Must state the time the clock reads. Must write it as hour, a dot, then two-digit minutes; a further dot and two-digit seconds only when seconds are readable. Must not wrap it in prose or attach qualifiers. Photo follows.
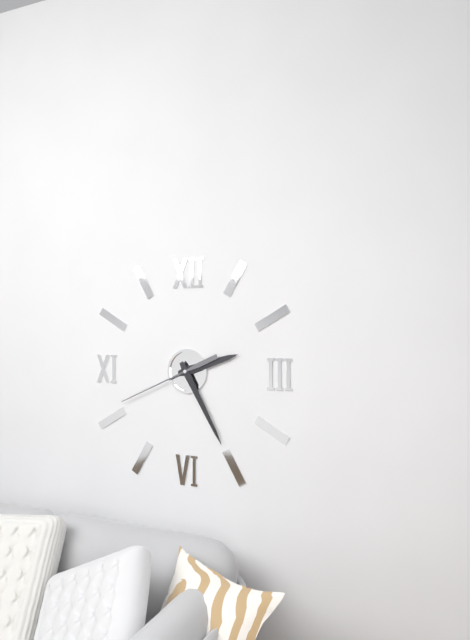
2.25.41
